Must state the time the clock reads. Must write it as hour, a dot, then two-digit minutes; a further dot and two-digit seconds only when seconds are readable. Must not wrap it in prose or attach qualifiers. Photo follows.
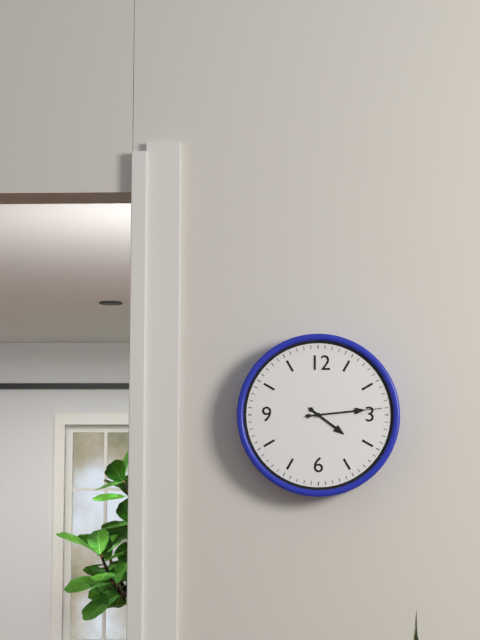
4.14.14
